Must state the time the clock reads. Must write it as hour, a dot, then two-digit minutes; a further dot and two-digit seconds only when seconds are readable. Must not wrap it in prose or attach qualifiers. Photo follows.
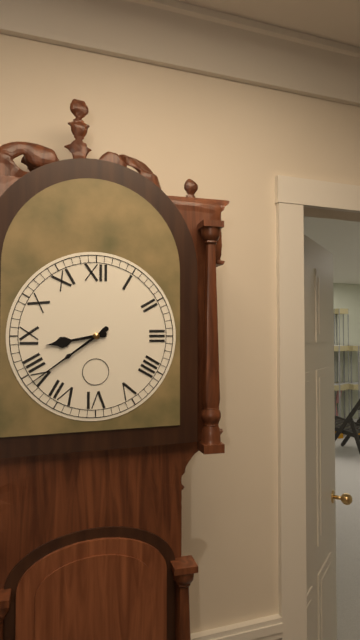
8.39
